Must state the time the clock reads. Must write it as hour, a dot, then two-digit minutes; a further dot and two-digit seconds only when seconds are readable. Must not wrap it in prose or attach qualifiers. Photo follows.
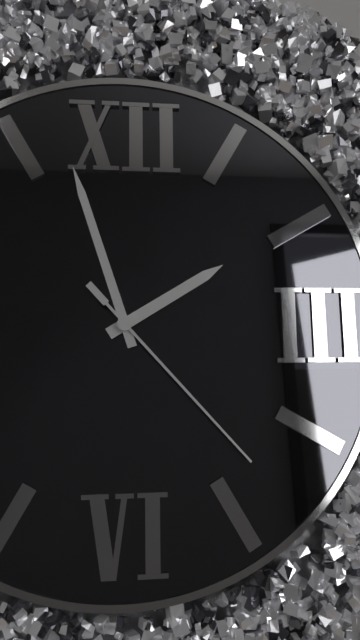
1.57.23
